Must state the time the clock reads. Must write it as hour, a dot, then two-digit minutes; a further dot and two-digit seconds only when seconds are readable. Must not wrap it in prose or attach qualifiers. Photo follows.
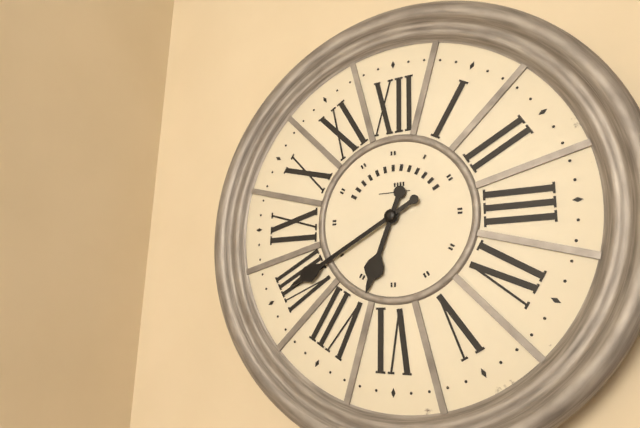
6.40
